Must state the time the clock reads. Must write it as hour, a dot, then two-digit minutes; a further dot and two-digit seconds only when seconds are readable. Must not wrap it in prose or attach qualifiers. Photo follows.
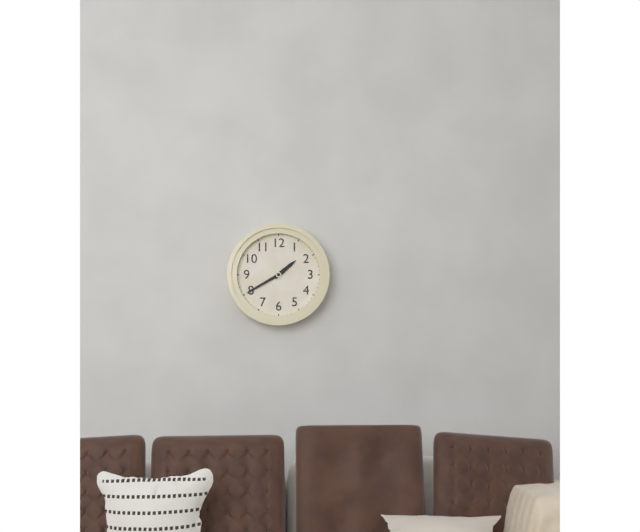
1.40
